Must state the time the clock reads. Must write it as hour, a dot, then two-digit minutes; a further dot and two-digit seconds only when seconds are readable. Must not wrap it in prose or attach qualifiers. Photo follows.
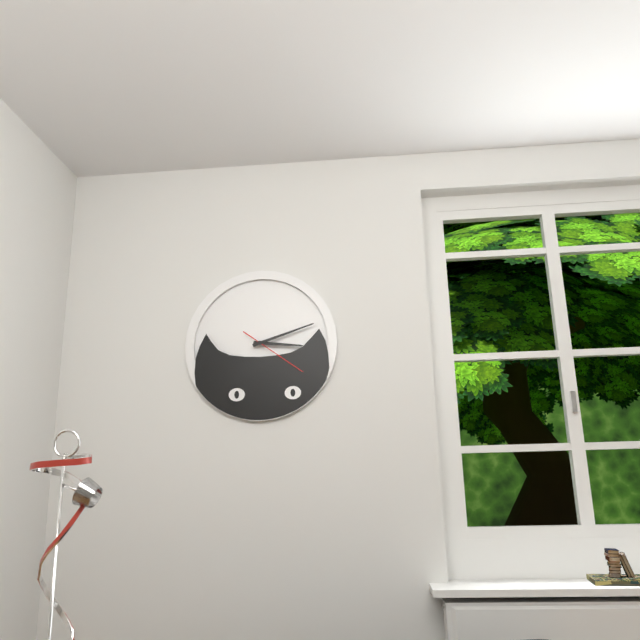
3.12.21
